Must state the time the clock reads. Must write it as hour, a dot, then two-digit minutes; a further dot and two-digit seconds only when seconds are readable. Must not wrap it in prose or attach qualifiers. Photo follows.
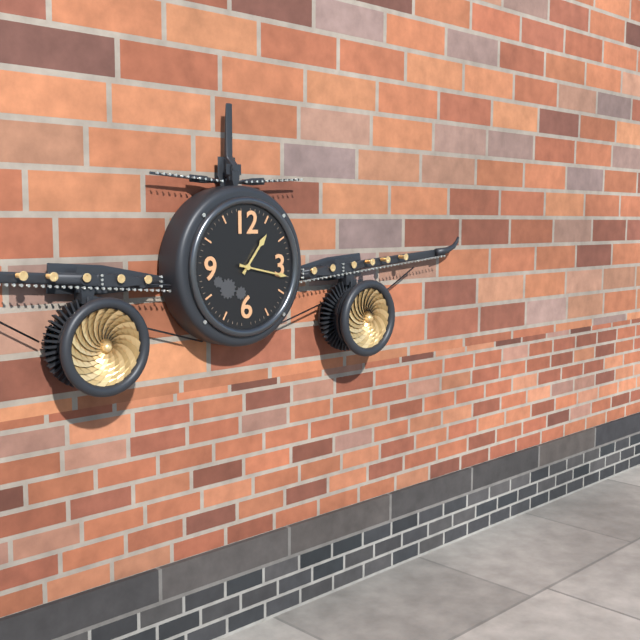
1.17
